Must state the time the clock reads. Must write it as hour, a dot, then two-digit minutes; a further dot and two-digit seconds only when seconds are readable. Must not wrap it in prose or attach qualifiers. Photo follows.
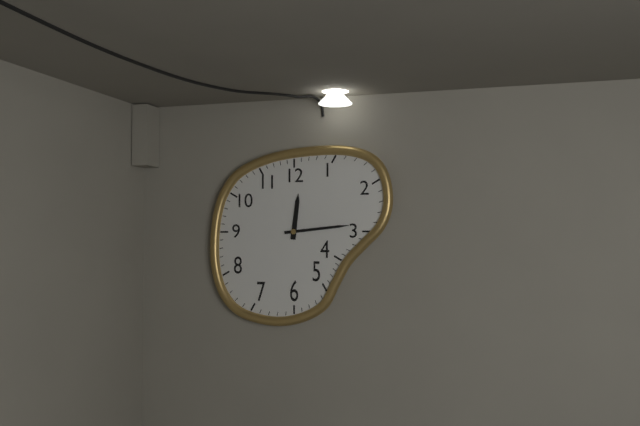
12.14
